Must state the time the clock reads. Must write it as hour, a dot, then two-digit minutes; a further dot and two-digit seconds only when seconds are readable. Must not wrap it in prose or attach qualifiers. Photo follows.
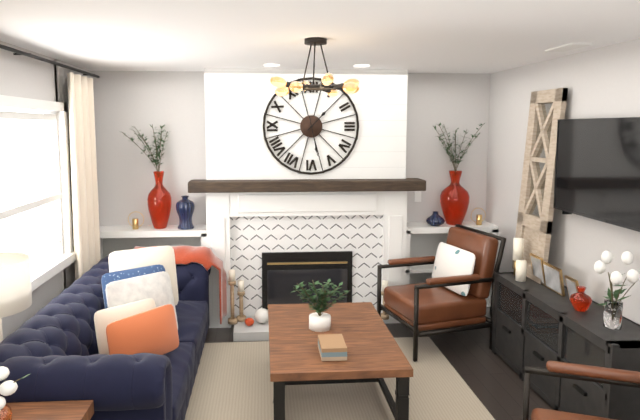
1.28
